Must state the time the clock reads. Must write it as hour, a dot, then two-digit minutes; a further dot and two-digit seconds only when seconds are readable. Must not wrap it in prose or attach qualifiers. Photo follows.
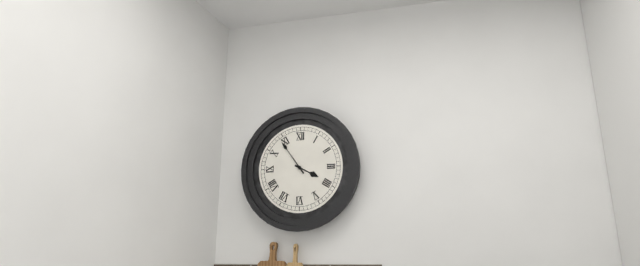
3.54
